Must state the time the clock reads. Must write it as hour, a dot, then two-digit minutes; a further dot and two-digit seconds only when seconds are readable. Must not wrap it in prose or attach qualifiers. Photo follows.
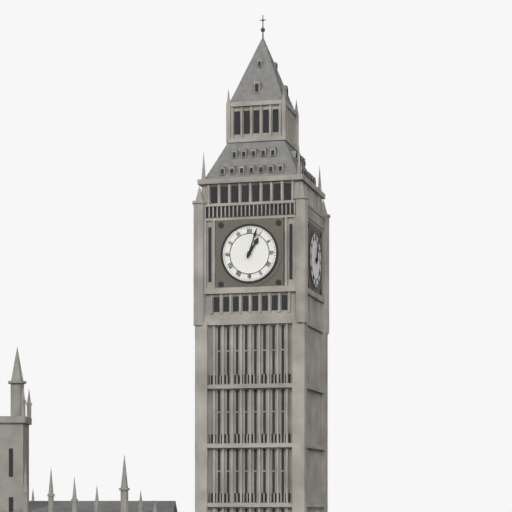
1.03
